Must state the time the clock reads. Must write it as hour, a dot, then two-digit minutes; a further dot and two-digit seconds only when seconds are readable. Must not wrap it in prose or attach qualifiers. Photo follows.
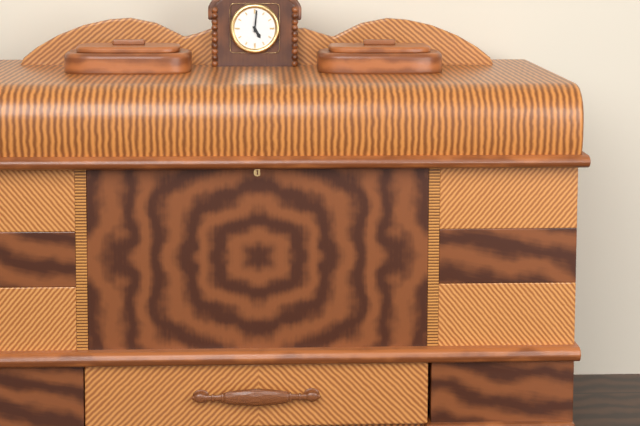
5.01
